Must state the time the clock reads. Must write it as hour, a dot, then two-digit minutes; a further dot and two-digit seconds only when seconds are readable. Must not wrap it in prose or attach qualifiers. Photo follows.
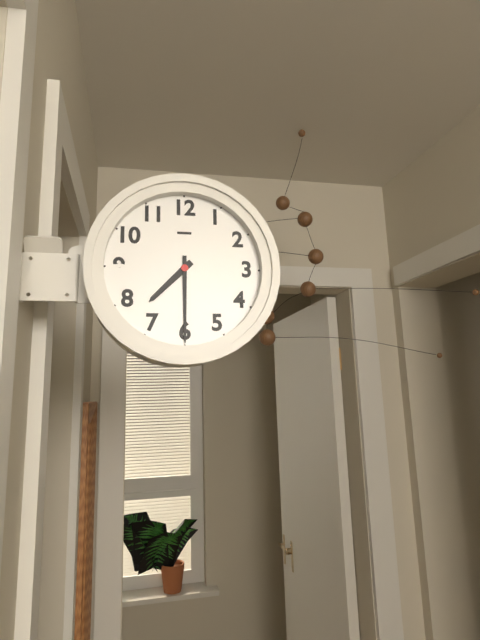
7.30
